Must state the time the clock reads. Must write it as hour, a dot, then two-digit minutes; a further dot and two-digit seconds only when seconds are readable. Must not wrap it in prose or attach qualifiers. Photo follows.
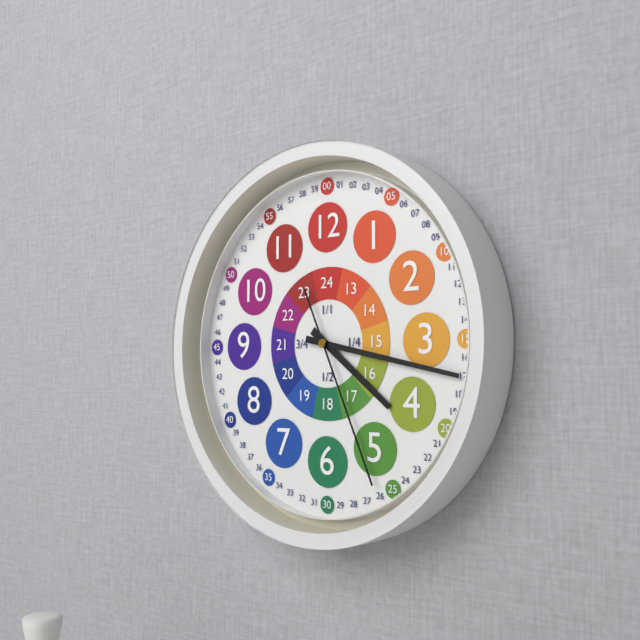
4.17.26
